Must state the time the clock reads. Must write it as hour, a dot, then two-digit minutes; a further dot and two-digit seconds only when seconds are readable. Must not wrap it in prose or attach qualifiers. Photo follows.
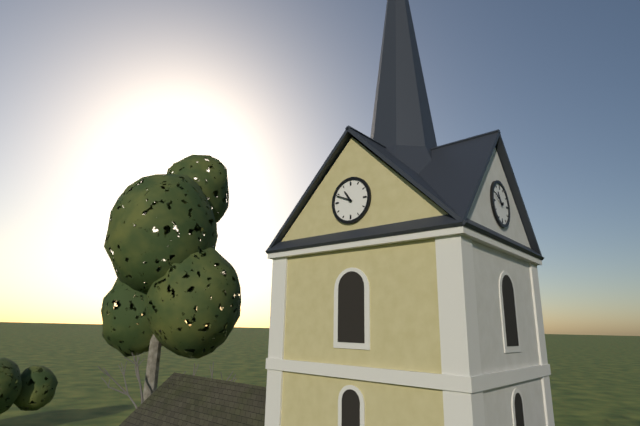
10.49
